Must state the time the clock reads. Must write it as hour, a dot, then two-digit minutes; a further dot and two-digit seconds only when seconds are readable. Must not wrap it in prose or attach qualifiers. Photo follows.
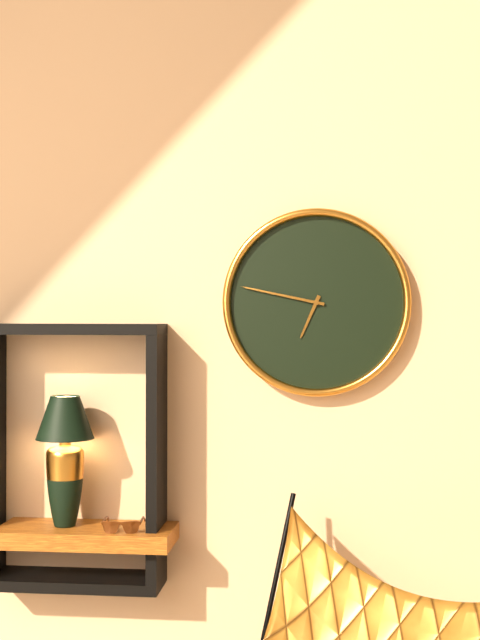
6.47
